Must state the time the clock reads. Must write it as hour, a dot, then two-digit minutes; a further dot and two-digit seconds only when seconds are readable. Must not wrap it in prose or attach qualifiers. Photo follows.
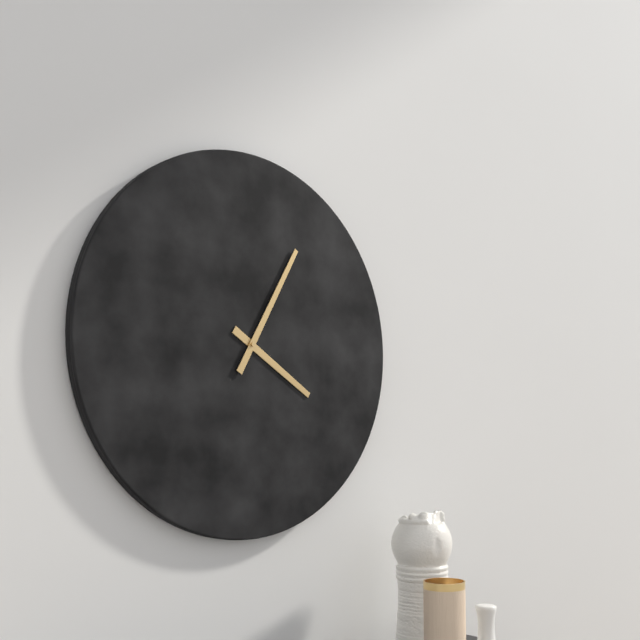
4.05
